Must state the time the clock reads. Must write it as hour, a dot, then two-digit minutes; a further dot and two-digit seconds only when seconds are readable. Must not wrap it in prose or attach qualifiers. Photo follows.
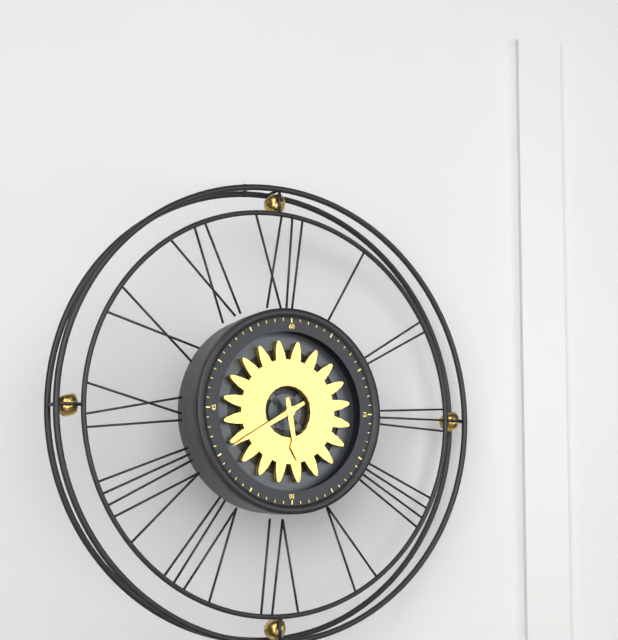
5.40
